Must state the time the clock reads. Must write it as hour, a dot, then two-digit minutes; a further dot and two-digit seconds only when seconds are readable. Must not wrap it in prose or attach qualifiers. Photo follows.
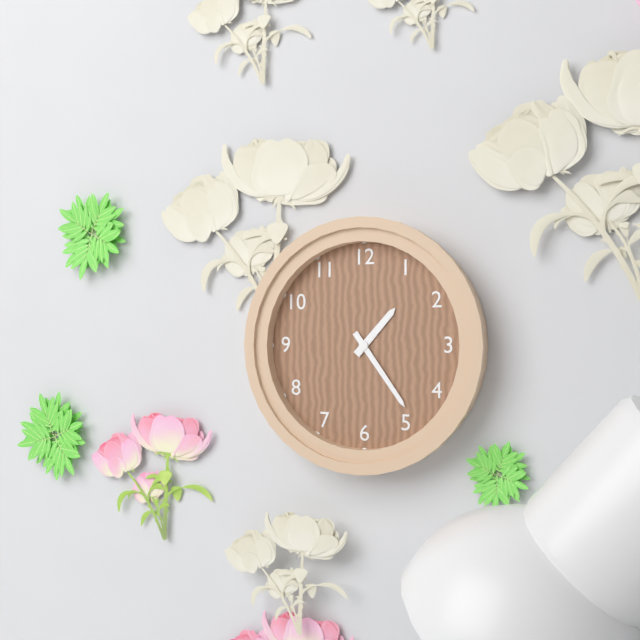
1.24
